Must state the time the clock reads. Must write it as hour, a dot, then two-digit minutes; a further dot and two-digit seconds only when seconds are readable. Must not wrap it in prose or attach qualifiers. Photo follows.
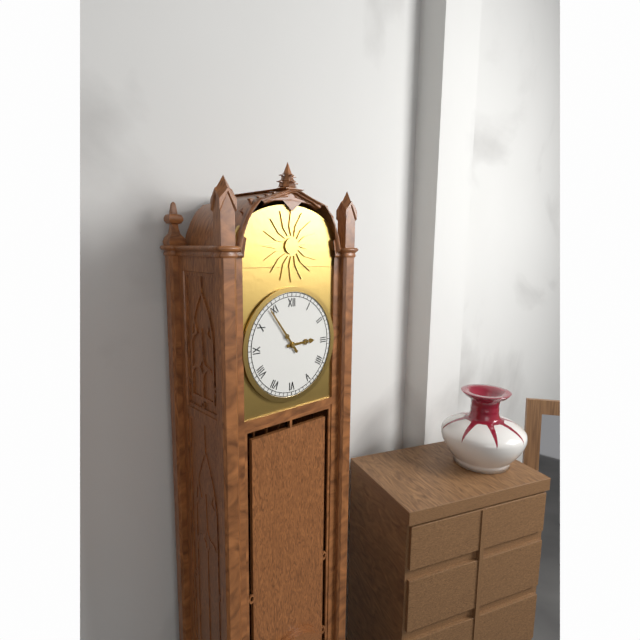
2.54
